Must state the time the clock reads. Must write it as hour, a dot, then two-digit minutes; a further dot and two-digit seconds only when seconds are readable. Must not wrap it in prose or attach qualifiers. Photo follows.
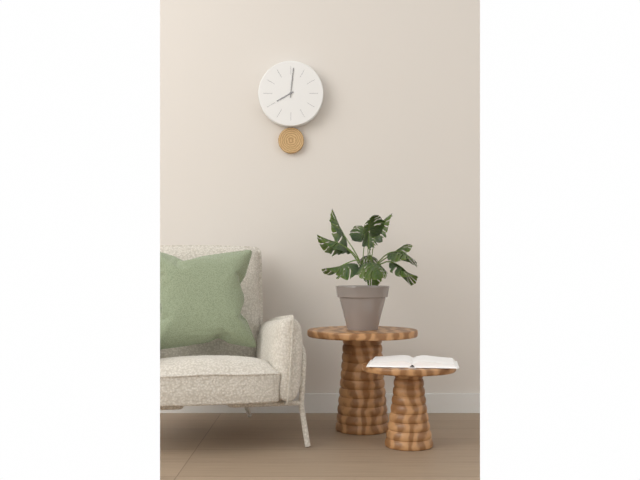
8.01
